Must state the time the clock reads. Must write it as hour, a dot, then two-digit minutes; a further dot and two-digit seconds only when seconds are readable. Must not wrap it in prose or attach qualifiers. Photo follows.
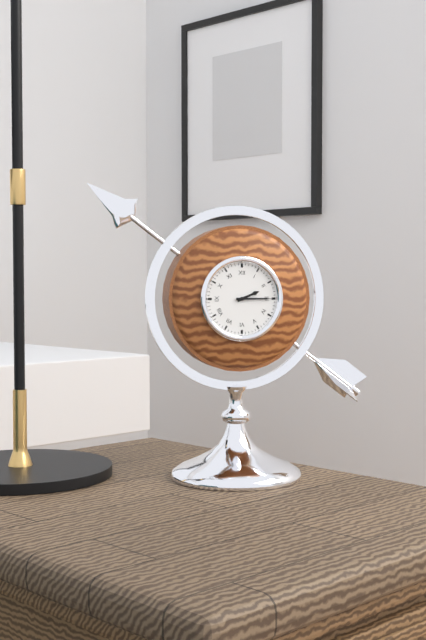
2.15
